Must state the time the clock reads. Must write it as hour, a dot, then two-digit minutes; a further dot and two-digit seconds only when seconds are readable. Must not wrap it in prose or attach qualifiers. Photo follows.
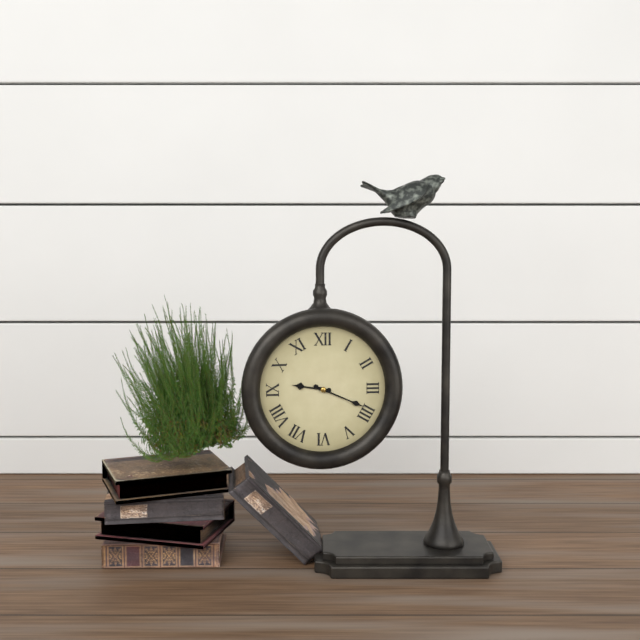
9.19
